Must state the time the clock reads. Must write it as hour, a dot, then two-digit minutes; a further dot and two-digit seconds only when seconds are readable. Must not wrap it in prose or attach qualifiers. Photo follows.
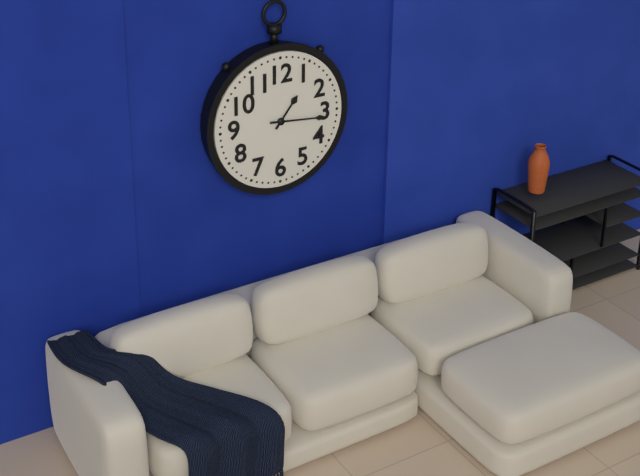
1.16
